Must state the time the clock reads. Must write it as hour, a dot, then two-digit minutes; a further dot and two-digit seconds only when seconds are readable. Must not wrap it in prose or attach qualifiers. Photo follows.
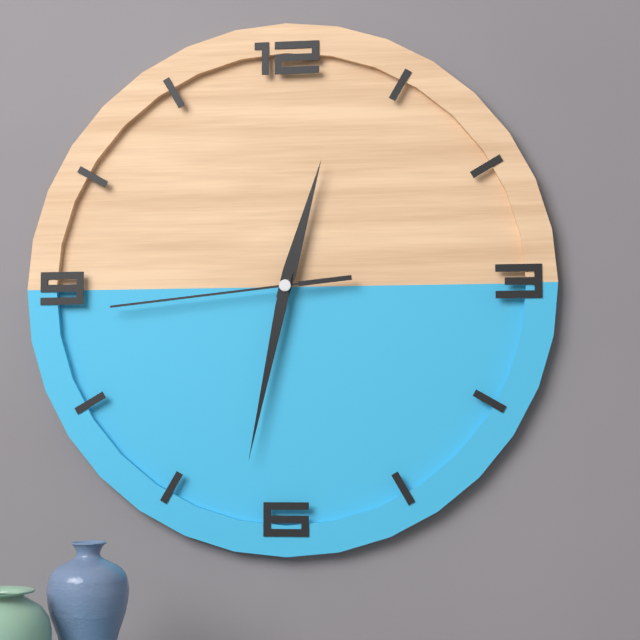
12.32.44
